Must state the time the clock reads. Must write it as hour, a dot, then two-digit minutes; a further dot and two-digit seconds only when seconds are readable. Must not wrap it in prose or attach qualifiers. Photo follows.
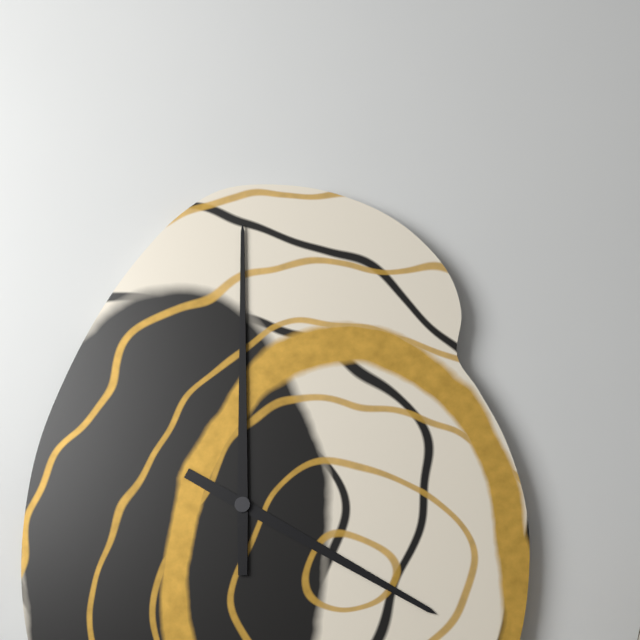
4.00
